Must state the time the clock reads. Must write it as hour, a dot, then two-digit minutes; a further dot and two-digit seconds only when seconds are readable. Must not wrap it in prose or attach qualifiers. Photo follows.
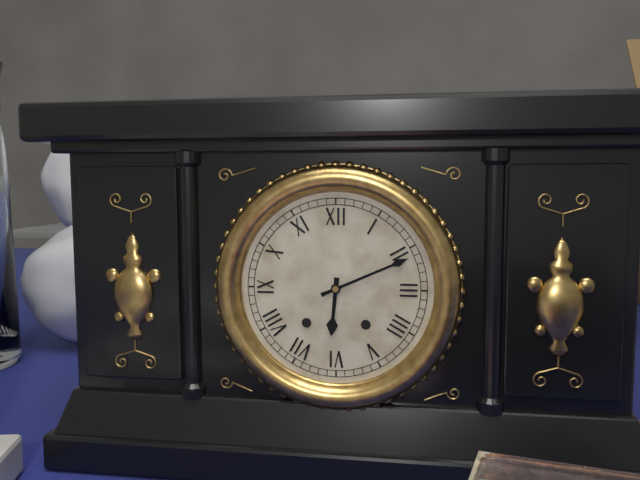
6.11
